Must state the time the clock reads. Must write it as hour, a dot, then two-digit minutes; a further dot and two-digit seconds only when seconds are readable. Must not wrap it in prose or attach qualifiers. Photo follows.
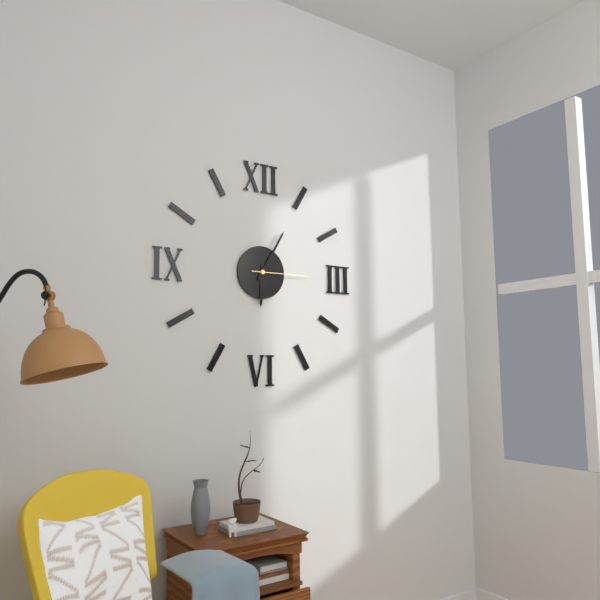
6.05.15
